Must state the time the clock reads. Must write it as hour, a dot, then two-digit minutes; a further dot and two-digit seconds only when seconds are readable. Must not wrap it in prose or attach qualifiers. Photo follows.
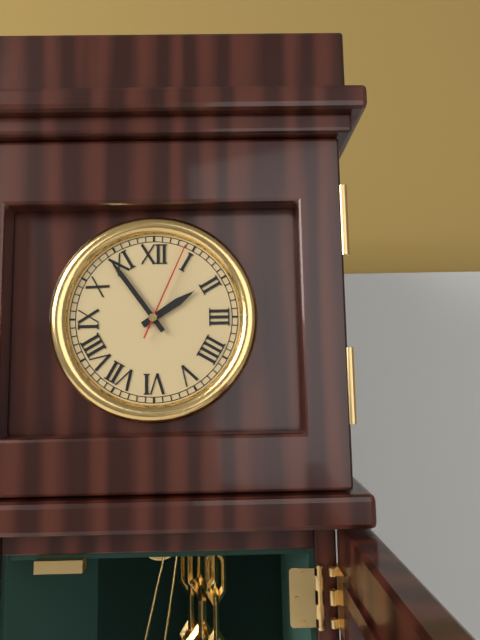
1.54.04
